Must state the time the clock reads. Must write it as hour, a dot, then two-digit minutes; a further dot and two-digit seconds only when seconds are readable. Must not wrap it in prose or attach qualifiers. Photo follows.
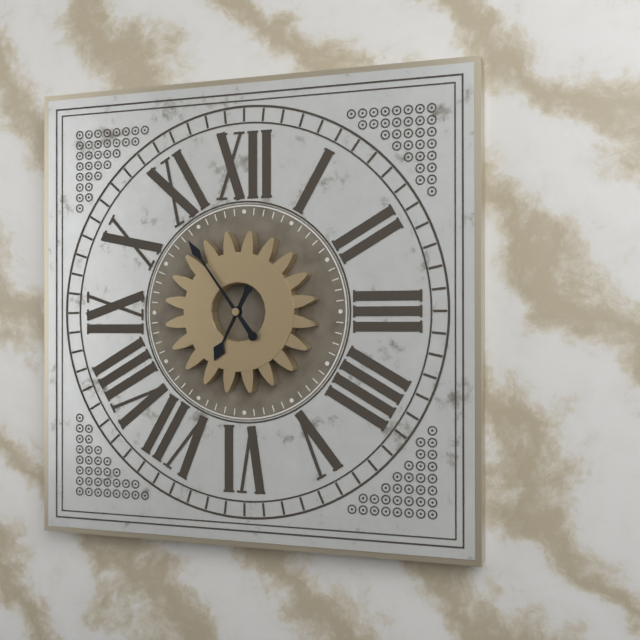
6.54
